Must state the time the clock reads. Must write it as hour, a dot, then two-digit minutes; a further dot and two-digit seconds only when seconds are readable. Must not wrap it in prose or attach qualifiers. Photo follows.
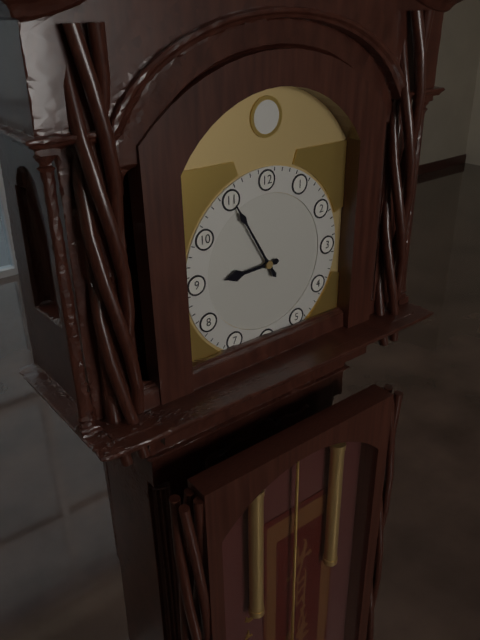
8.55
